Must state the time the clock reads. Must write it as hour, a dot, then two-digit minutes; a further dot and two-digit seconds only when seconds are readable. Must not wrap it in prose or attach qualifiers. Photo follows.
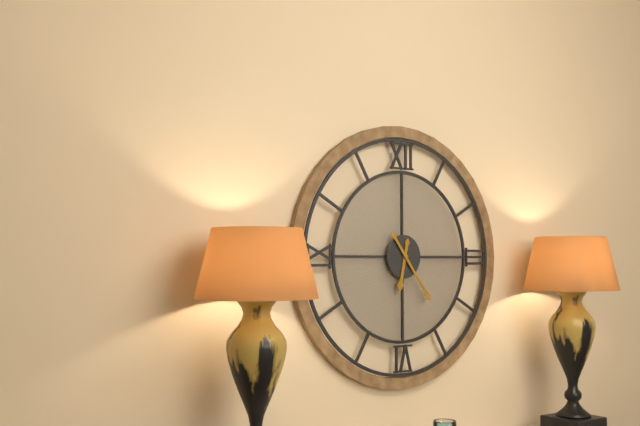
6.24
